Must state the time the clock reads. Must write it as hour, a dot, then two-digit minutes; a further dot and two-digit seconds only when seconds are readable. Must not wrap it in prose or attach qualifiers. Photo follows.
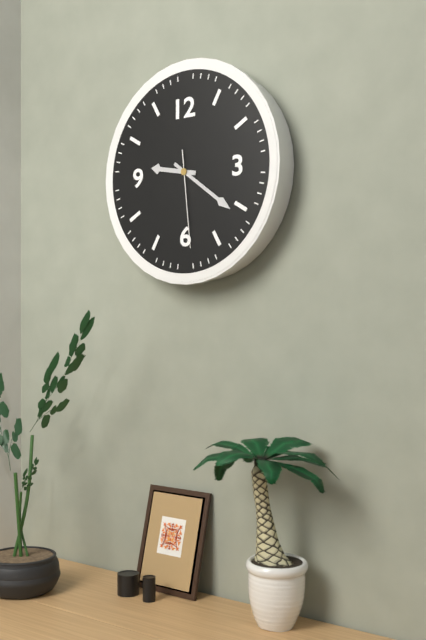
9.21.29
